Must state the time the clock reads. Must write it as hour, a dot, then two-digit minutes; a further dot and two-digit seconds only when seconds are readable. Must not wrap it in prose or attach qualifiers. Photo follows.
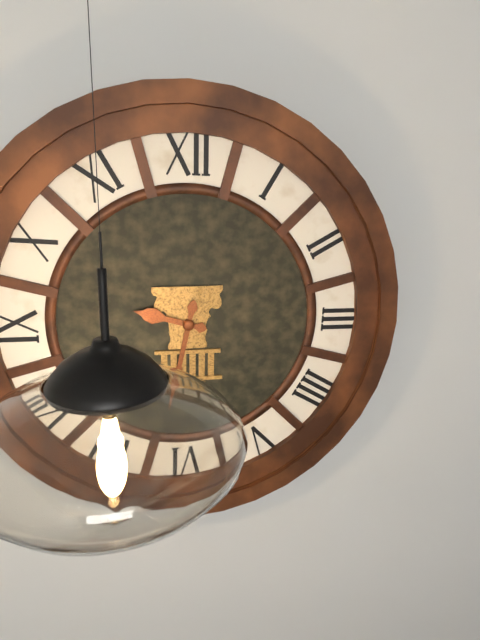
9.32
